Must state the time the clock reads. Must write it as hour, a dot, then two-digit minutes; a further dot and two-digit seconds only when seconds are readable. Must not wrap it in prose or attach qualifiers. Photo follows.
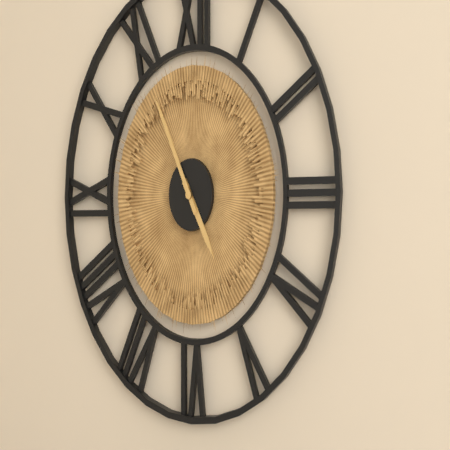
4.55
